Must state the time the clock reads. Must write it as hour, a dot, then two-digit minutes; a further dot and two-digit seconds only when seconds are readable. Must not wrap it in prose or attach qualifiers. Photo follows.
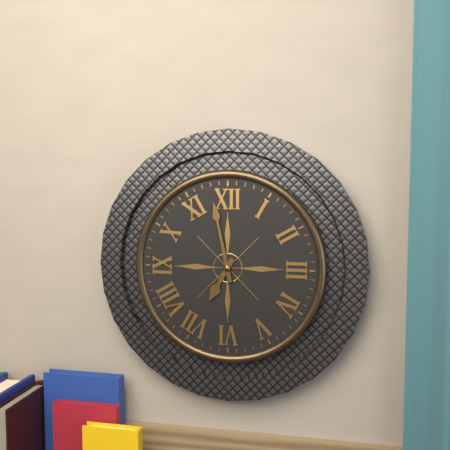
6.58
